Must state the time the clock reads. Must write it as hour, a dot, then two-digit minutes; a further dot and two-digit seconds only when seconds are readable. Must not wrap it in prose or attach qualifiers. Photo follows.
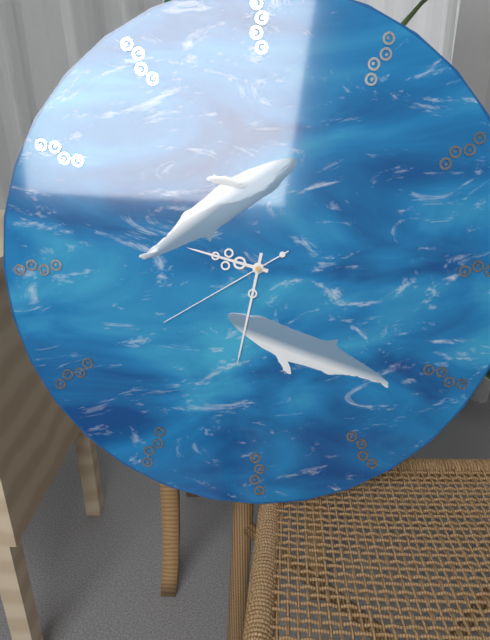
9.32.40
